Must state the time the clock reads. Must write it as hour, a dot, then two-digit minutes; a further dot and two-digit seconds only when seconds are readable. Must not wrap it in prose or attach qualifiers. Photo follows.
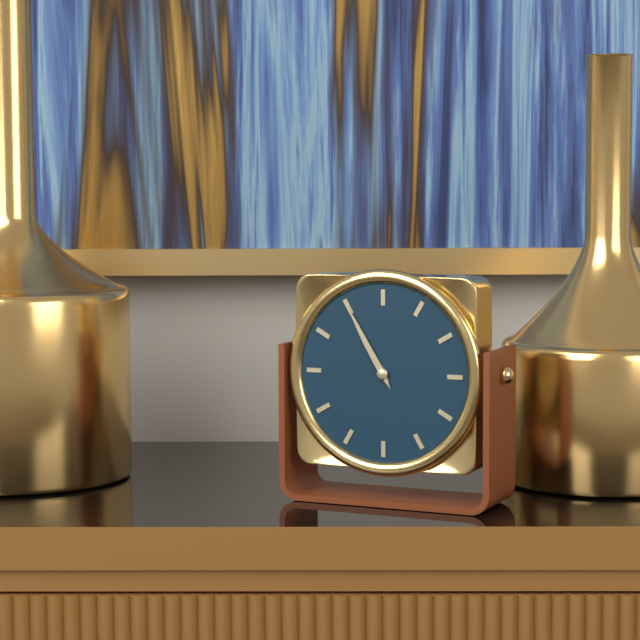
10.55
